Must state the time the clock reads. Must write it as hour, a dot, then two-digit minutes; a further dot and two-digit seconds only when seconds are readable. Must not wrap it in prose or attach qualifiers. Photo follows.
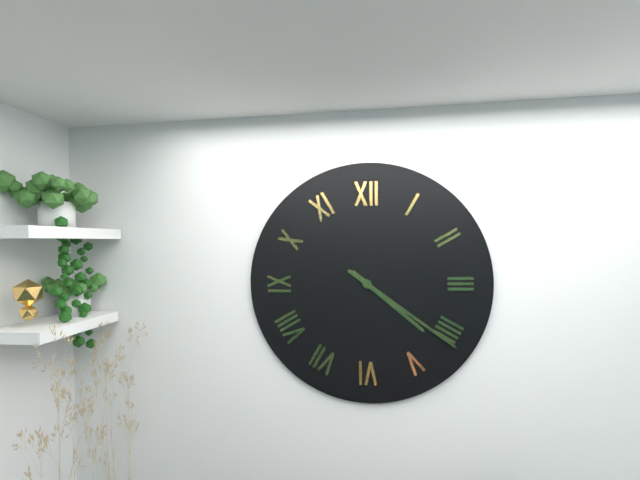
4.21
